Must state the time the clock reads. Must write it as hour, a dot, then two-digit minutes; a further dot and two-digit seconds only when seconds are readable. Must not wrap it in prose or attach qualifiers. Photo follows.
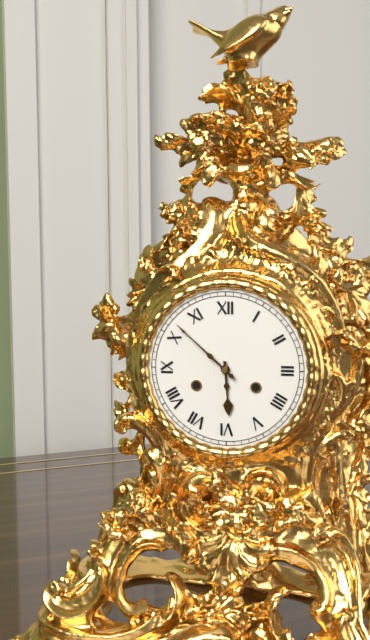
5.52
